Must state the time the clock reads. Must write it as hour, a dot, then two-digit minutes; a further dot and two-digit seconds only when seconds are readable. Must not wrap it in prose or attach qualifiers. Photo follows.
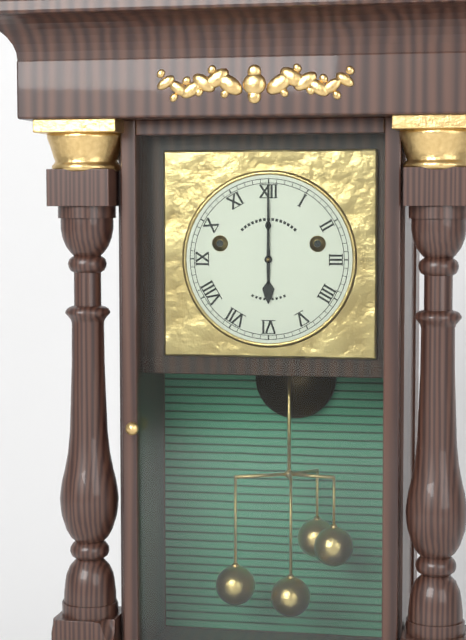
6.00
